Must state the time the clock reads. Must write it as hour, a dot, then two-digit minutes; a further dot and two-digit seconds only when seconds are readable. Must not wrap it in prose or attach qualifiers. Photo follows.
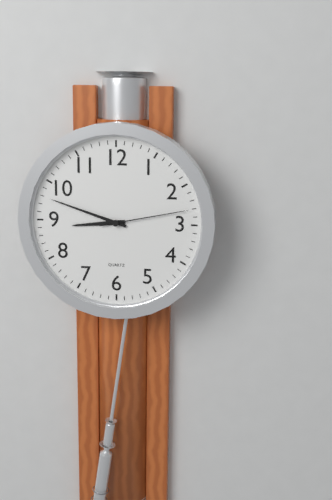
8.48.13
